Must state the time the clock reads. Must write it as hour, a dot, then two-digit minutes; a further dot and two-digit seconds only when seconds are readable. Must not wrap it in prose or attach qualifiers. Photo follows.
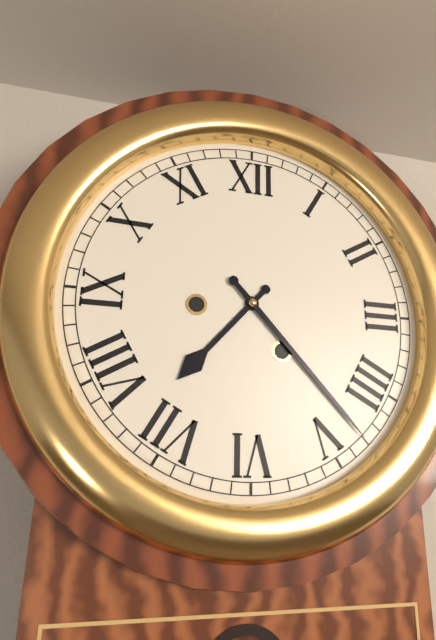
7.23
